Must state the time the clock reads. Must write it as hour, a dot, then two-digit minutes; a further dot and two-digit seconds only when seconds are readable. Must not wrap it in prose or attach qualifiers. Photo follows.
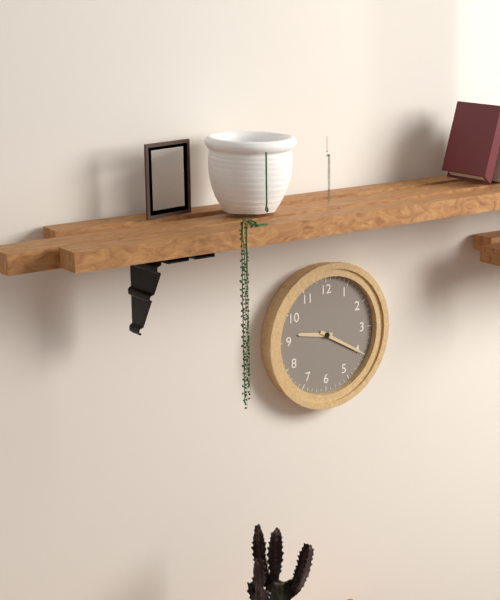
9.20
